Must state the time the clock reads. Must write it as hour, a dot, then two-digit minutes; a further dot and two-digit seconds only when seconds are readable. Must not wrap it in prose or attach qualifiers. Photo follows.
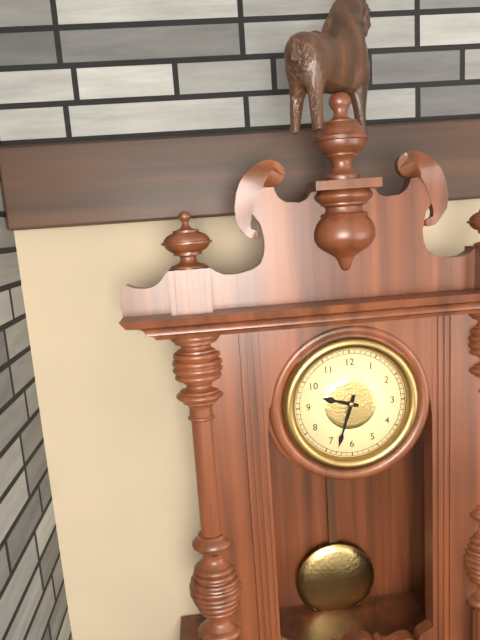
9.33
